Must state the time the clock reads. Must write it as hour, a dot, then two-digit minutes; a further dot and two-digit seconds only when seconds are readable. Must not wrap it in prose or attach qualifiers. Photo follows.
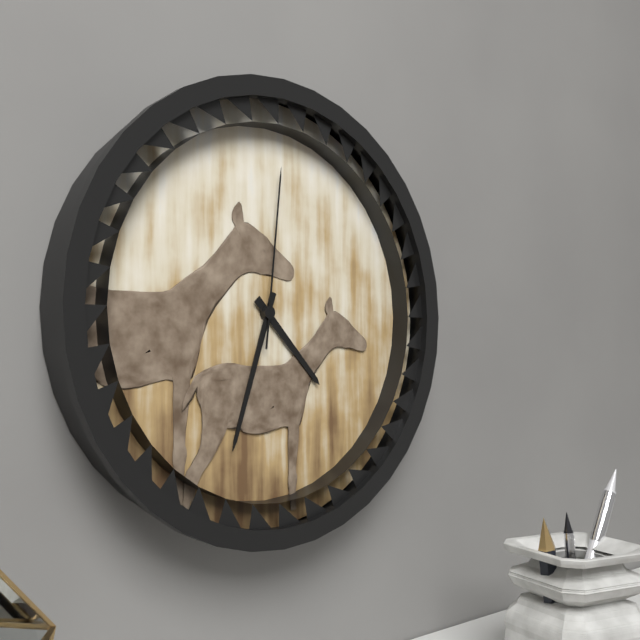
4.33.01
